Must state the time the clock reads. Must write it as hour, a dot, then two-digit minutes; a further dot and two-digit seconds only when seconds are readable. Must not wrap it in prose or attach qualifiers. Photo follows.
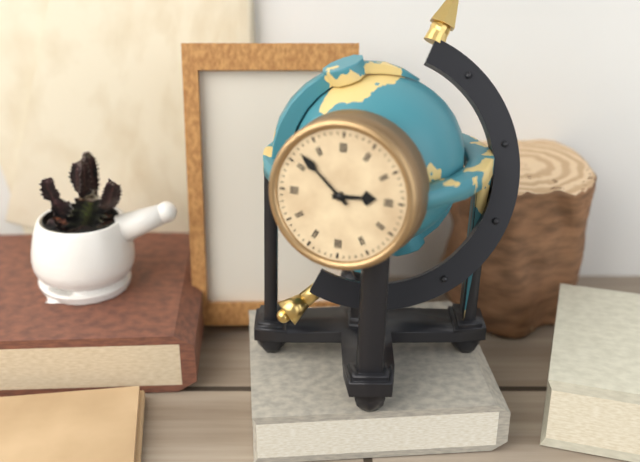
2.52
